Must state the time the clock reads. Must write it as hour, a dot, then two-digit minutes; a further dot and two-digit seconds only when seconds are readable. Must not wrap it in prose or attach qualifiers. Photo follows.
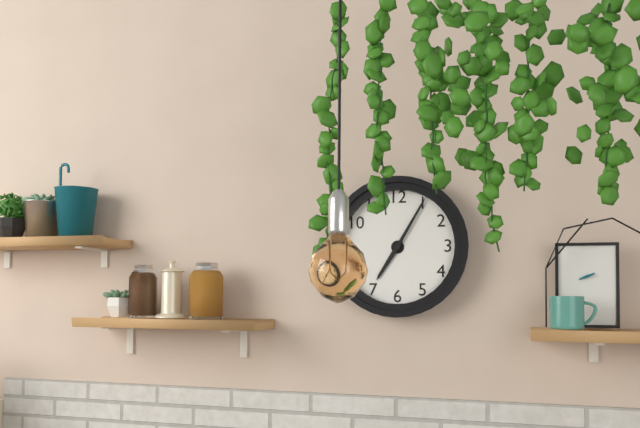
7.05
